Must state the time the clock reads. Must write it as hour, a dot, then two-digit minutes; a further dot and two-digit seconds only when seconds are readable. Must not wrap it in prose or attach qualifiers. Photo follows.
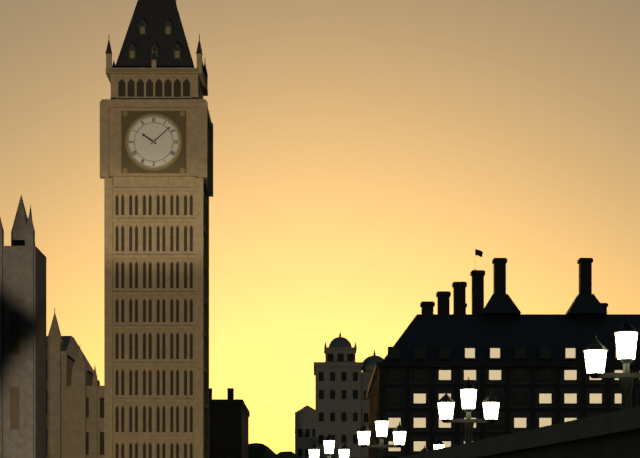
10.08
